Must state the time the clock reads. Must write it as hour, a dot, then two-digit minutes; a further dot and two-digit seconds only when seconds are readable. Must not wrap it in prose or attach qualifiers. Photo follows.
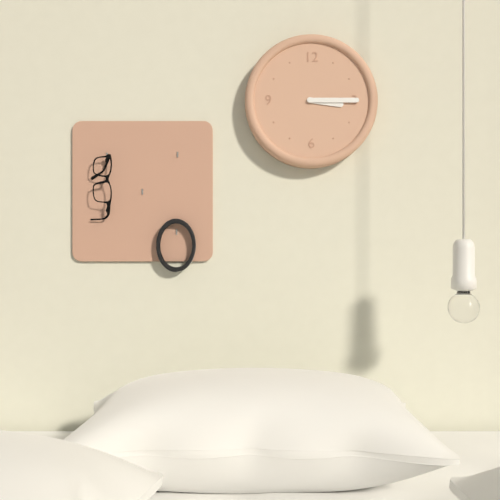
3.15
